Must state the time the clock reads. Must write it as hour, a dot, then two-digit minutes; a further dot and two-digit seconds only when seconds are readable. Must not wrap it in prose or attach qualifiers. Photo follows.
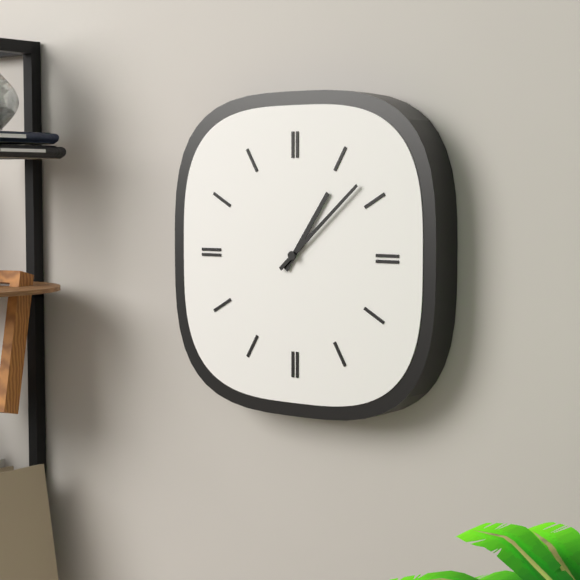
1.08
